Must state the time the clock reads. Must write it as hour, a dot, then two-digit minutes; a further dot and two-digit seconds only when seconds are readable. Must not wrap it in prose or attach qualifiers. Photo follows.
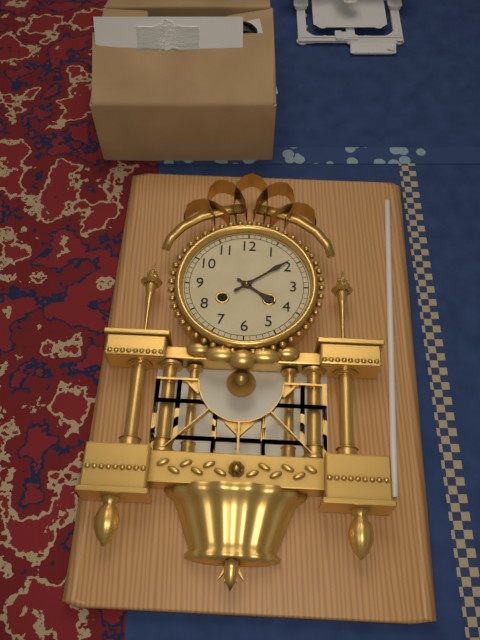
4.09
